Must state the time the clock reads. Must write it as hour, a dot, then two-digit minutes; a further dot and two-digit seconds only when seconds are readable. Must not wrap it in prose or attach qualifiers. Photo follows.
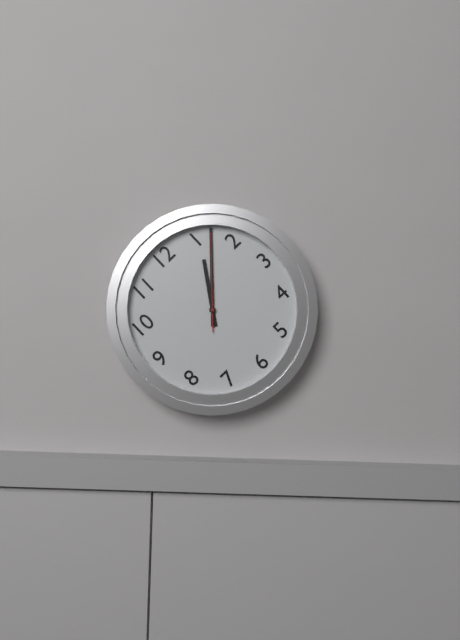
1.07.07
